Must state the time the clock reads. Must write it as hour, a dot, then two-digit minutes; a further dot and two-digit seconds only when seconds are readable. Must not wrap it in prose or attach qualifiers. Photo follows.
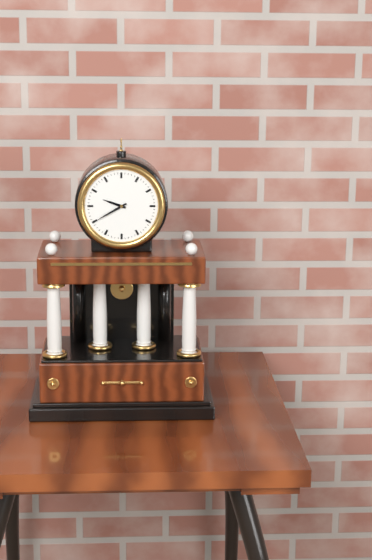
9.40
